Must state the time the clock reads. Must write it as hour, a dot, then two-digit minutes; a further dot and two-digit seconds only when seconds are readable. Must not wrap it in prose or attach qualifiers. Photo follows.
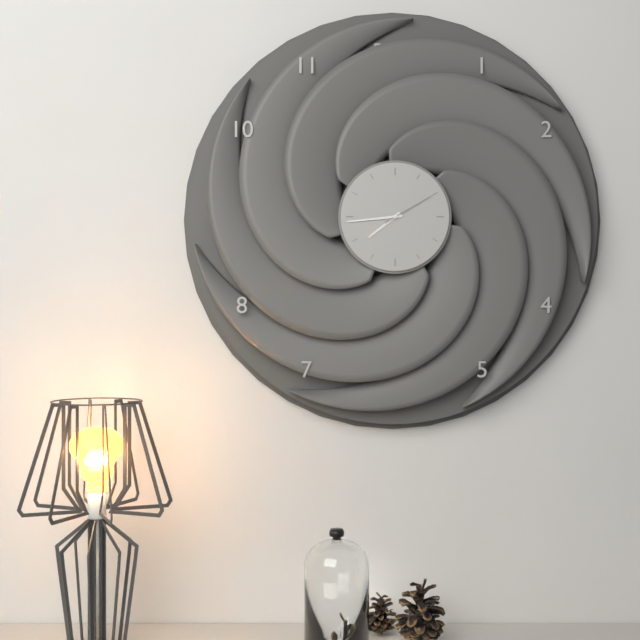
7.44.10
